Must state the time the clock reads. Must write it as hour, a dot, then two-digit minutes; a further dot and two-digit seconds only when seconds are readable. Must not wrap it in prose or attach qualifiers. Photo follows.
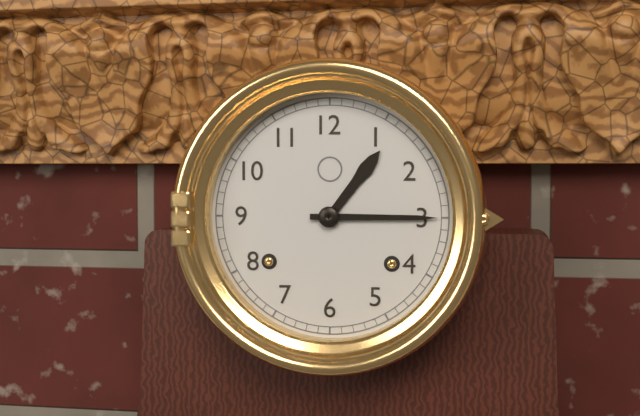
1.15
